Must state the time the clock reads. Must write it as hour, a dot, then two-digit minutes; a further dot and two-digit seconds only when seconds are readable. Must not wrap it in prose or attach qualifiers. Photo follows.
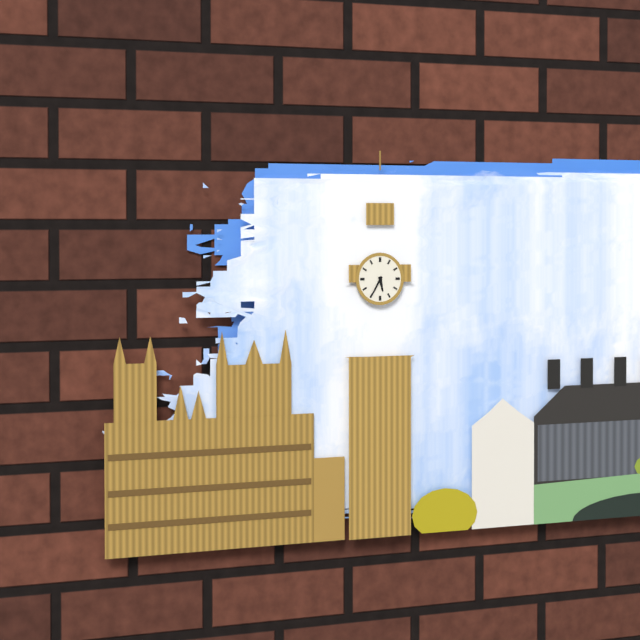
5.35
